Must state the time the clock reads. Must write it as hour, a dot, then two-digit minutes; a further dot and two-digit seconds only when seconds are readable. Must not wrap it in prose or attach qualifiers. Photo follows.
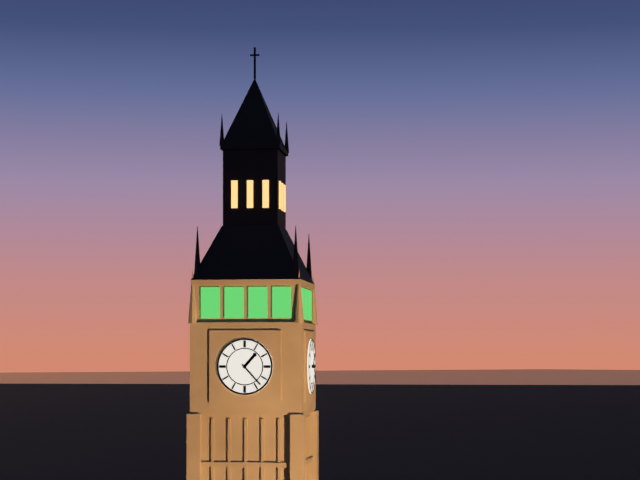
1.23
